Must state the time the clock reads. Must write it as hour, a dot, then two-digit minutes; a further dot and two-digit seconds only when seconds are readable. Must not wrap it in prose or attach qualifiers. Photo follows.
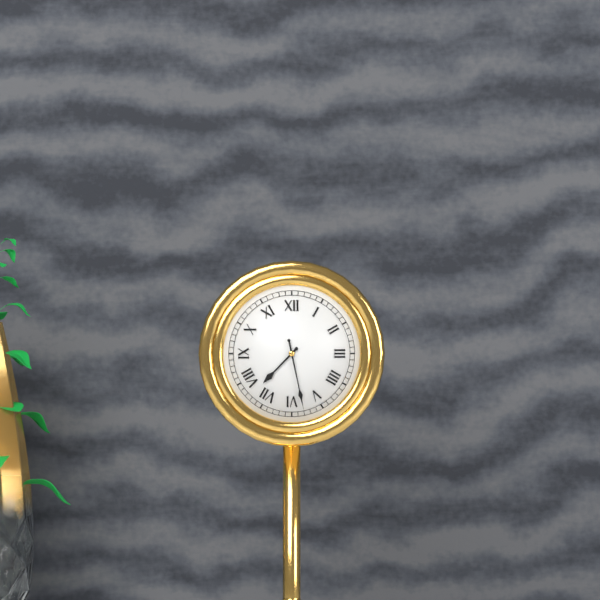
7.28
